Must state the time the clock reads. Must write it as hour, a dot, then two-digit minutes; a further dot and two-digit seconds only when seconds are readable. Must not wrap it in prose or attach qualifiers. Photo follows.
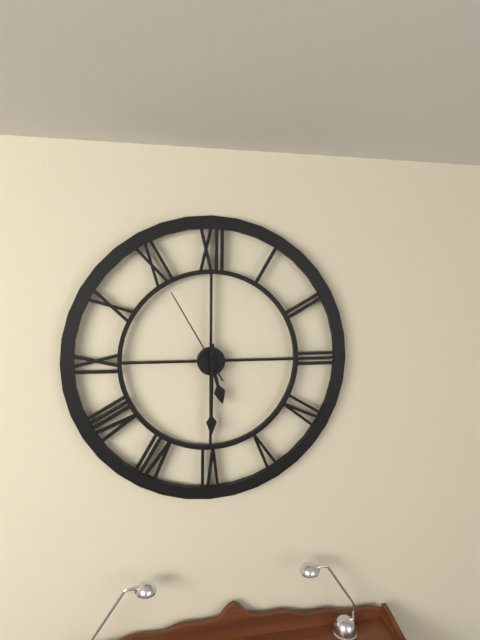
5.30.55
